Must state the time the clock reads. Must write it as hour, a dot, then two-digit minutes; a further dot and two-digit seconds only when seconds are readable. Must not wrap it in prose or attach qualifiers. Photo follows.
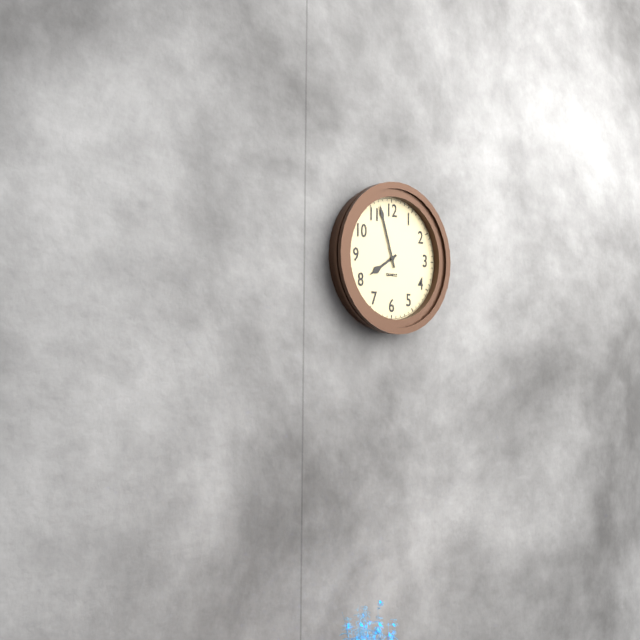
7.57
